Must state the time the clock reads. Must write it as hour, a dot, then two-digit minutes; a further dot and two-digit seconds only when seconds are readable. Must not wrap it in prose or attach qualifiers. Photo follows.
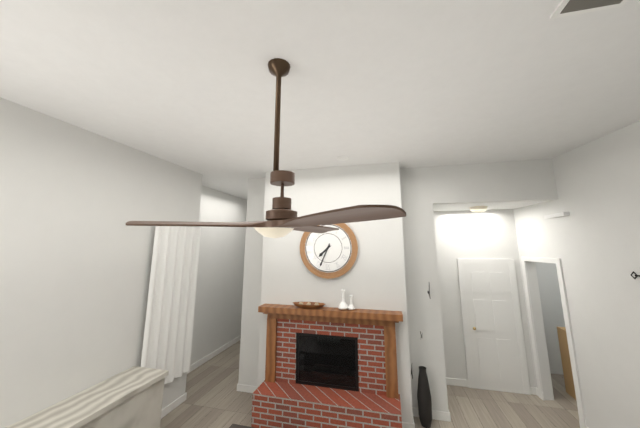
7.34
